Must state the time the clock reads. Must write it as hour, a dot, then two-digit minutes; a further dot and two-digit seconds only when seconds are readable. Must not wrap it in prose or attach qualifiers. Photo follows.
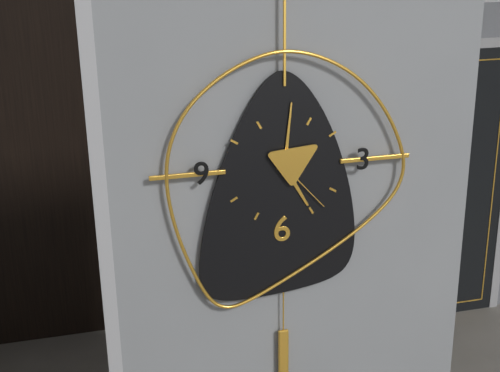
5.01.23
